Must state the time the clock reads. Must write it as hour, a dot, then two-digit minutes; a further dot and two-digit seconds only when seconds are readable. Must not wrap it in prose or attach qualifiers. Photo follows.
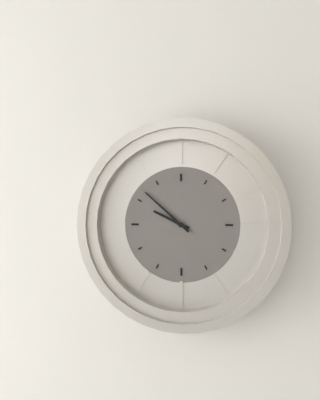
9.52
